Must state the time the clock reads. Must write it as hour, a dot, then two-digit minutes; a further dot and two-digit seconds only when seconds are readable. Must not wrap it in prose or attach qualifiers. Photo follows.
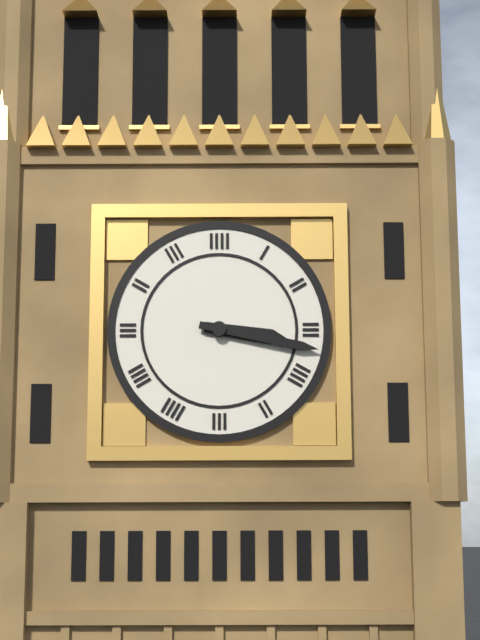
3.17
